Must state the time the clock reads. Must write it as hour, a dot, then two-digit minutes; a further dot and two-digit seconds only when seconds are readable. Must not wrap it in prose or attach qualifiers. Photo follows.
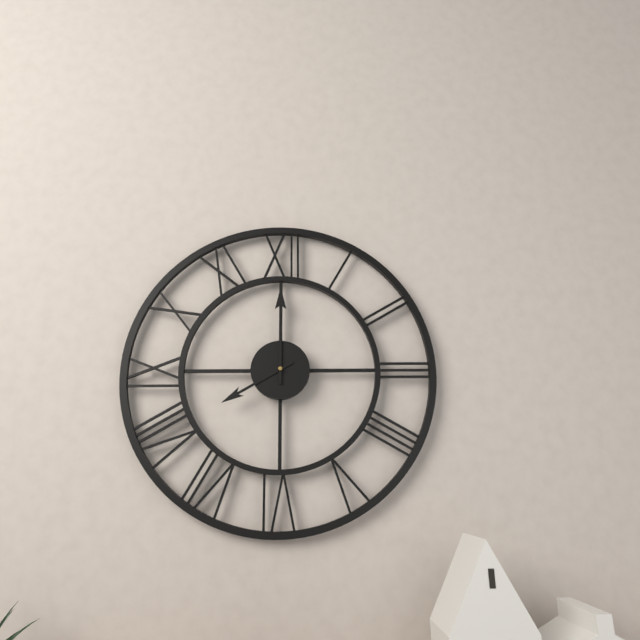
8.00
